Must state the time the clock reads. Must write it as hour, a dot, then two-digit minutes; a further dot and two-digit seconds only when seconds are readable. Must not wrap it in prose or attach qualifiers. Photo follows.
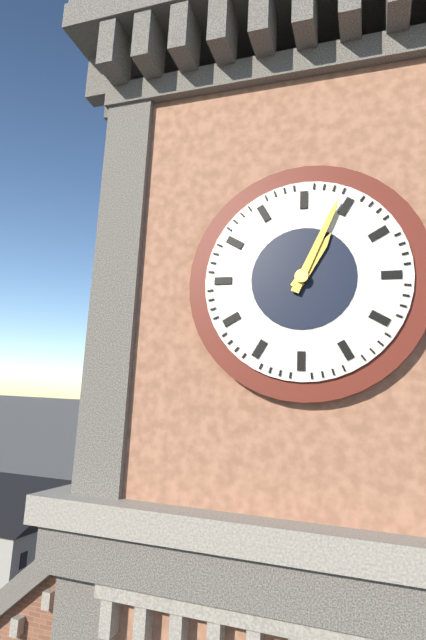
1.04
